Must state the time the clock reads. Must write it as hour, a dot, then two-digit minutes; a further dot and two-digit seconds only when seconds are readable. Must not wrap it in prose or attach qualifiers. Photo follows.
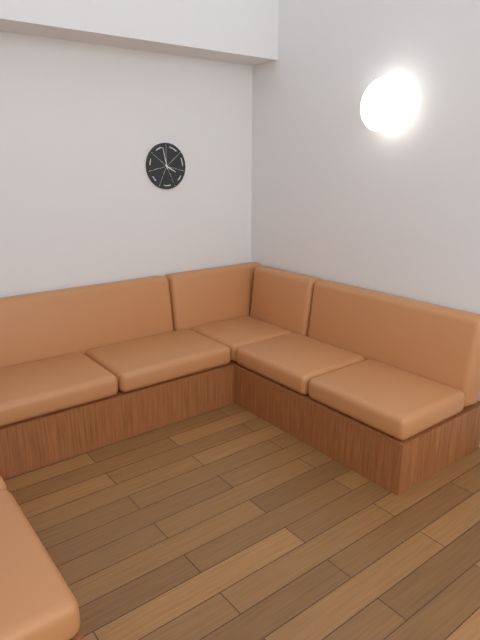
3.58
